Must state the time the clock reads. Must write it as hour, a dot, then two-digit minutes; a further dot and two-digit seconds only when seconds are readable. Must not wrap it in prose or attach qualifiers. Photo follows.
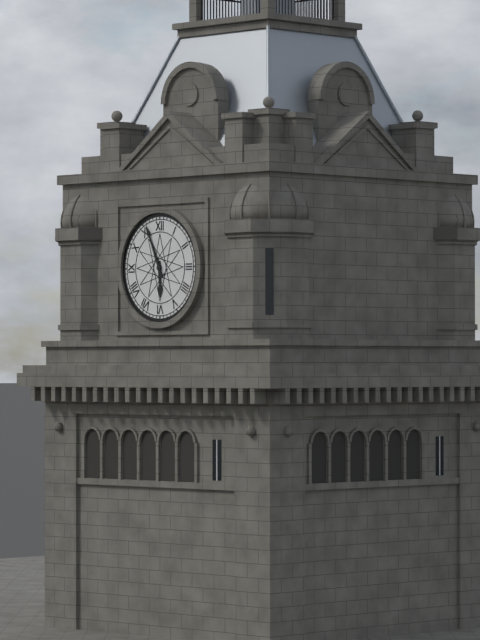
5.56
